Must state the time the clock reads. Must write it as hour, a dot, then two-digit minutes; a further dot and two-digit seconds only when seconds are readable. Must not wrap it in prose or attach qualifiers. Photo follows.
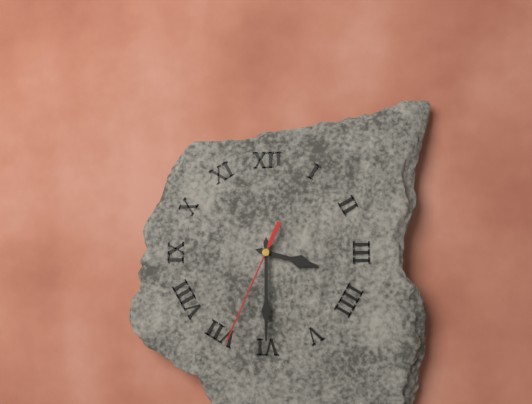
3.30.34
